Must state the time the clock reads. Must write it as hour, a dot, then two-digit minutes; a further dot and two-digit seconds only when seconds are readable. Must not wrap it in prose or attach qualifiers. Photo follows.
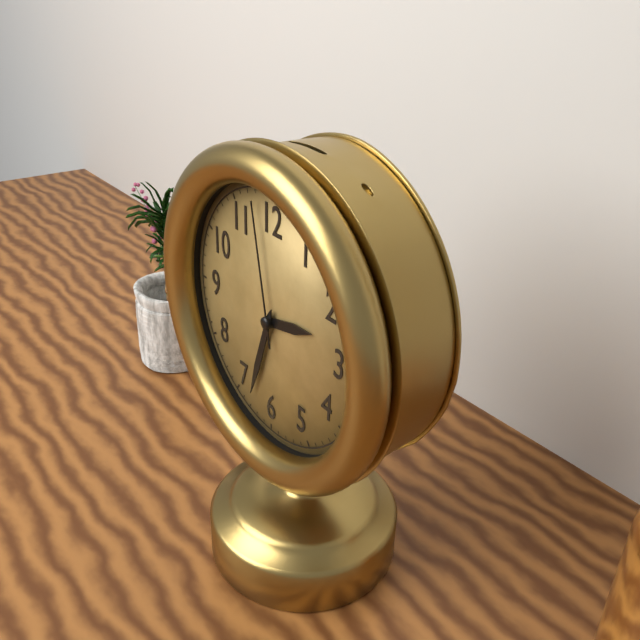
2.33.58
